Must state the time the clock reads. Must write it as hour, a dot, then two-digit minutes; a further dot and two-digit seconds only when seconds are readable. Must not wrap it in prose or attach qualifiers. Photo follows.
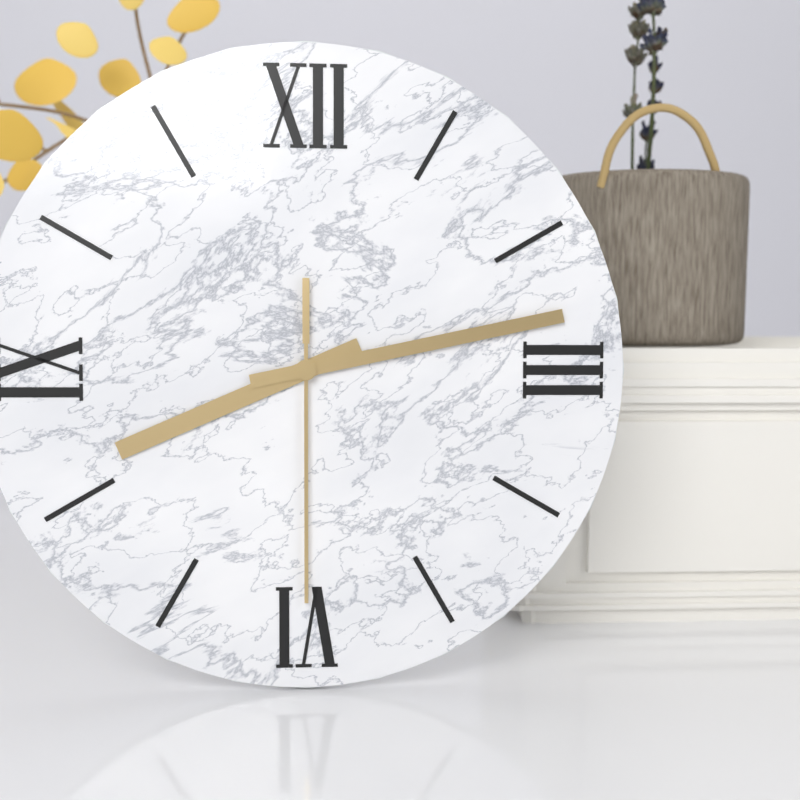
8.13.30
